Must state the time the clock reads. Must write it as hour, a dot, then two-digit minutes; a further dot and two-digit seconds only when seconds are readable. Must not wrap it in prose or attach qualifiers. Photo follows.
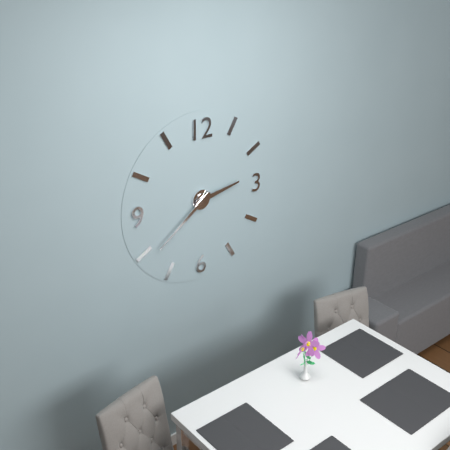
2.39
